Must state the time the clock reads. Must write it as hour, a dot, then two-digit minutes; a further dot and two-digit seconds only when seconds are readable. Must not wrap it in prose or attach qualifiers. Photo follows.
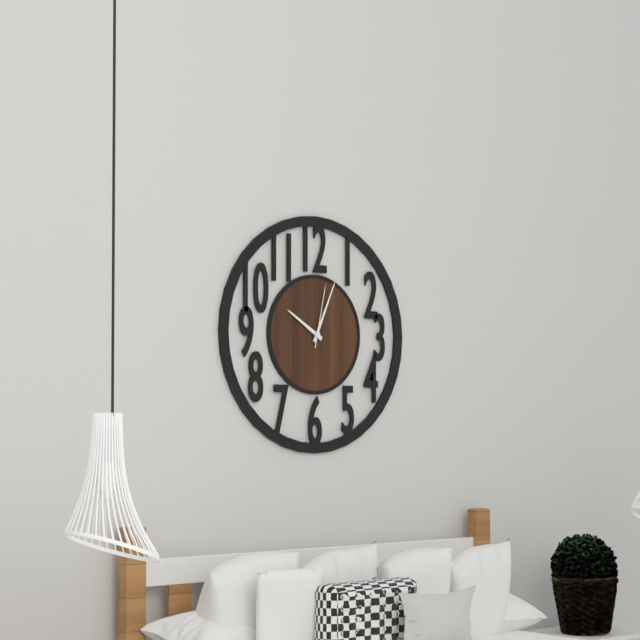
10.04.02
